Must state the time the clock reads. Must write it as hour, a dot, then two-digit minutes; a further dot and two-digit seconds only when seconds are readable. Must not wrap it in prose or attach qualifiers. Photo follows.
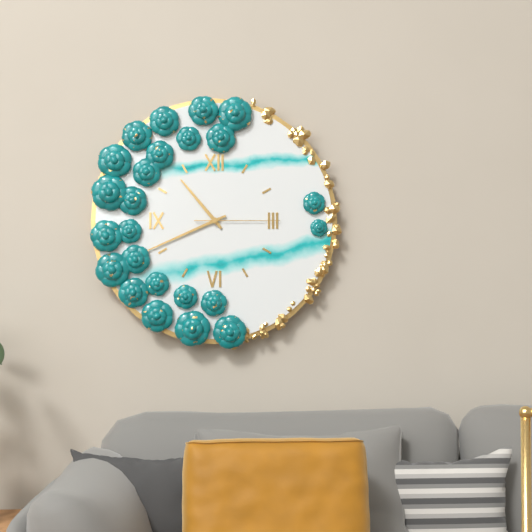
10.41.15
